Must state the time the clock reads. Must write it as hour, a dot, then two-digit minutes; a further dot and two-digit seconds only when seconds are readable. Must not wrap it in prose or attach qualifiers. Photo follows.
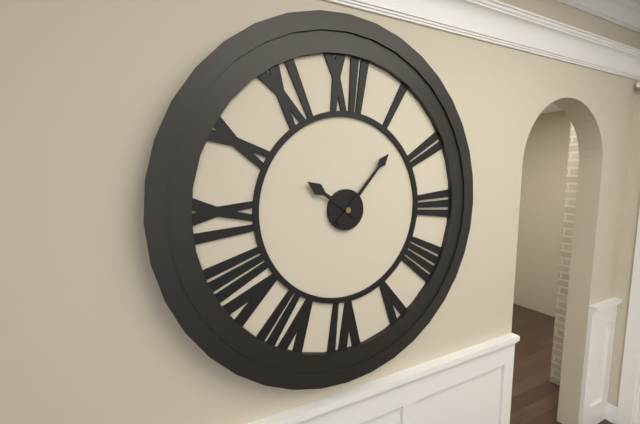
10.07
